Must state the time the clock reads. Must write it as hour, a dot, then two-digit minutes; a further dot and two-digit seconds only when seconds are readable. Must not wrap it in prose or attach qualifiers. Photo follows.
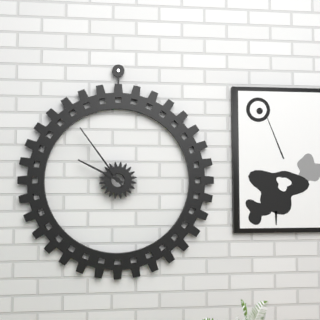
9.54
